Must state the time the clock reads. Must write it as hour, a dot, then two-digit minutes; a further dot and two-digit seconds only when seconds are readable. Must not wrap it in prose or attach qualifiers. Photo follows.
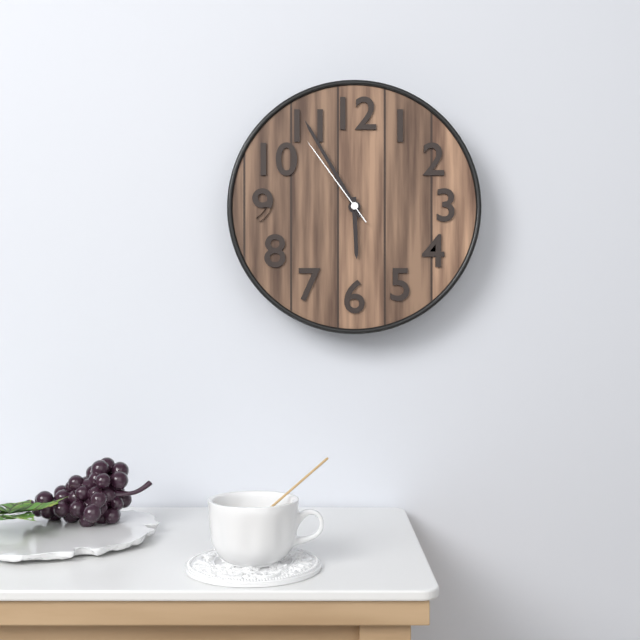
5.55.54
